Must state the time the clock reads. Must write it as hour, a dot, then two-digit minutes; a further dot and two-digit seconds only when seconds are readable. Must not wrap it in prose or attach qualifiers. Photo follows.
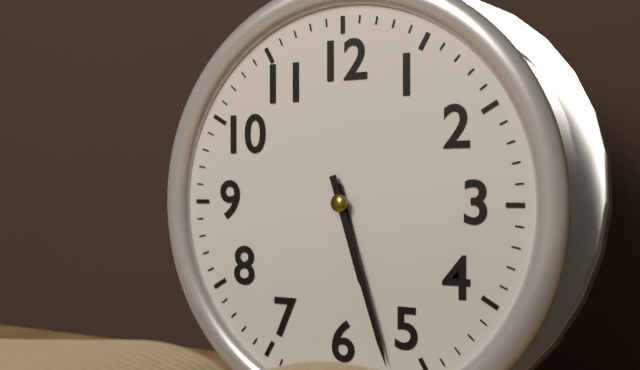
5.27
